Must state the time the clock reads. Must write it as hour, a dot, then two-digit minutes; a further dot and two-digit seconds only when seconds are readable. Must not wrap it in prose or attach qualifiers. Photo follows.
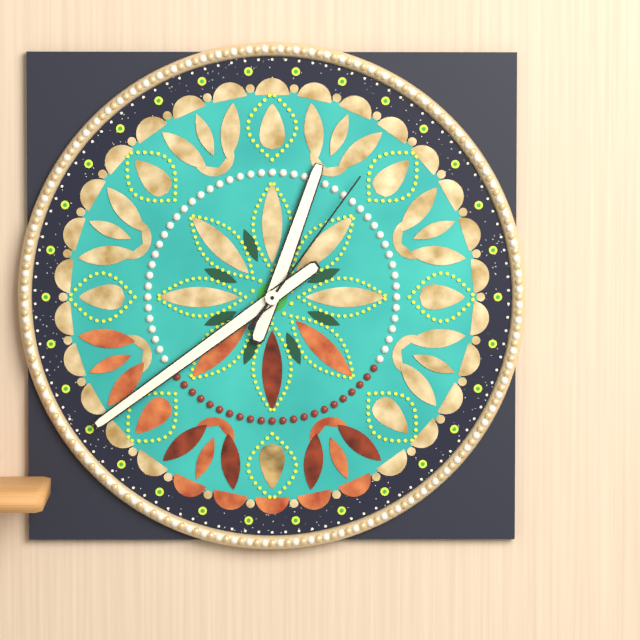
12.39.06
